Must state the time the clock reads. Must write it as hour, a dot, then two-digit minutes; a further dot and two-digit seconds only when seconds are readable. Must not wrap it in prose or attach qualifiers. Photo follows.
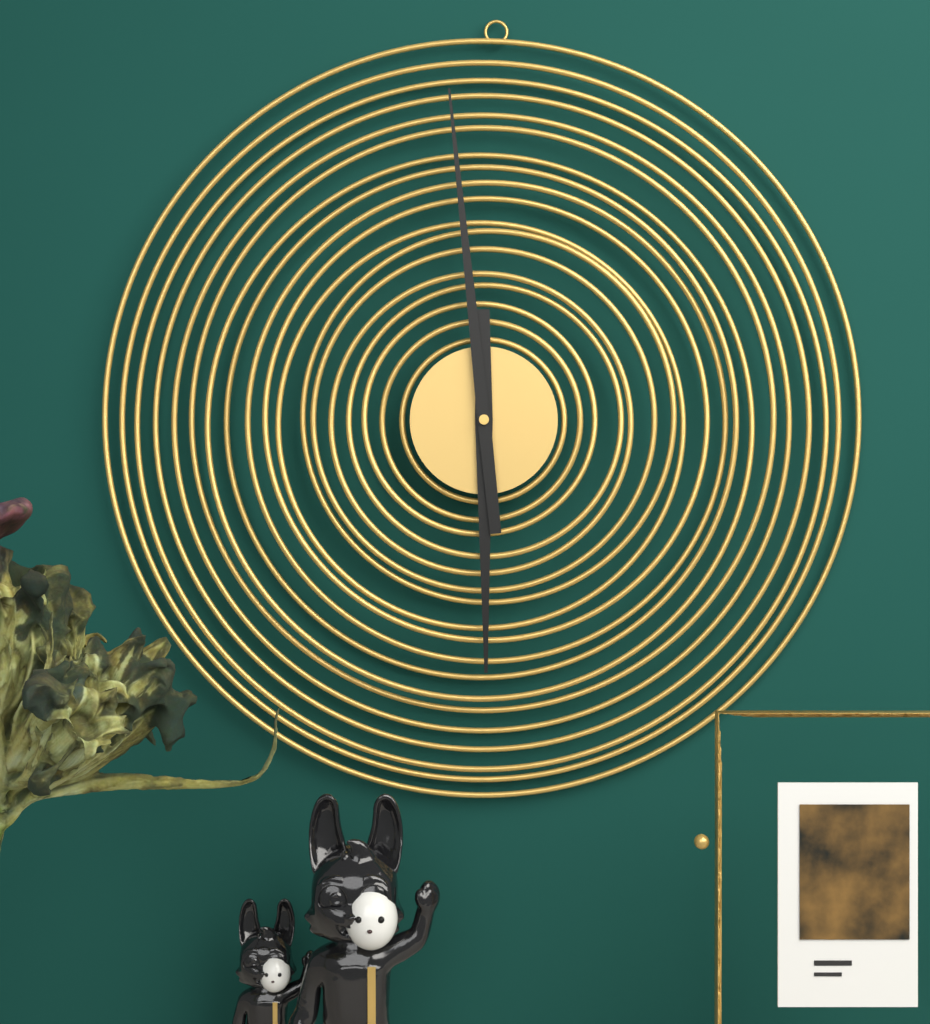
5.59
